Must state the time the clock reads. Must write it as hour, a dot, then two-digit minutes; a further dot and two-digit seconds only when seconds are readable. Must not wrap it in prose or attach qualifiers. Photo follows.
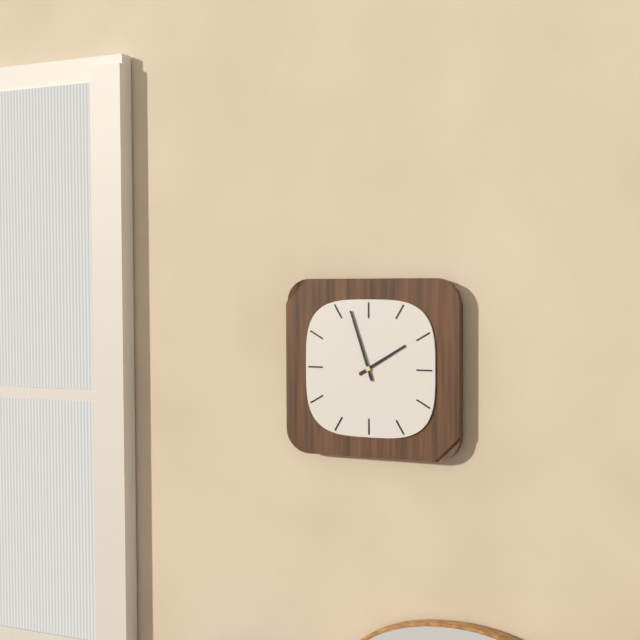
1.57
